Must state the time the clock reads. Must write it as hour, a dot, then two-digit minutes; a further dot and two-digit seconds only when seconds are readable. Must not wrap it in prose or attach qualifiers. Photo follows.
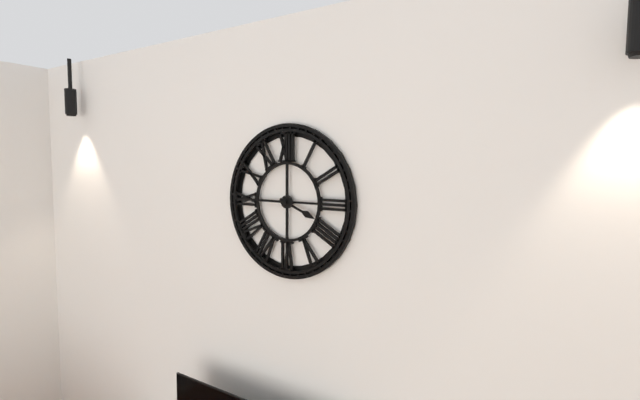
3.45
